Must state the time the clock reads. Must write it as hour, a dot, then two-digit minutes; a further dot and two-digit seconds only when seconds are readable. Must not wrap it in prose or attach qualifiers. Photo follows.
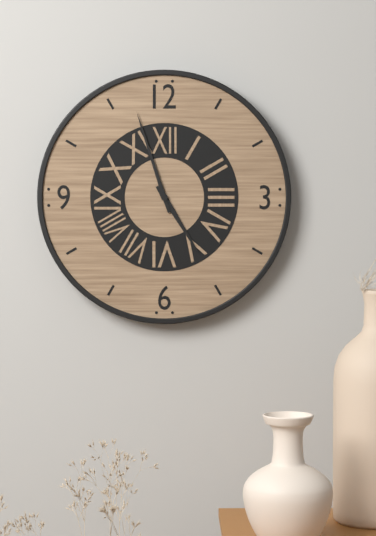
4.57
